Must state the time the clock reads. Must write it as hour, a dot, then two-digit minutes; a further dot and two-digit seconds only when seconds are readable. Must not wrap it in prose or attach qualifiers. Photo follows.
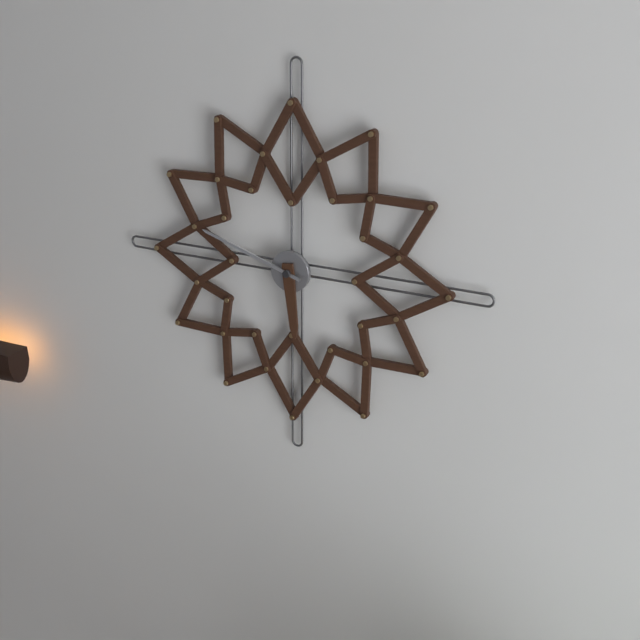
5.48
